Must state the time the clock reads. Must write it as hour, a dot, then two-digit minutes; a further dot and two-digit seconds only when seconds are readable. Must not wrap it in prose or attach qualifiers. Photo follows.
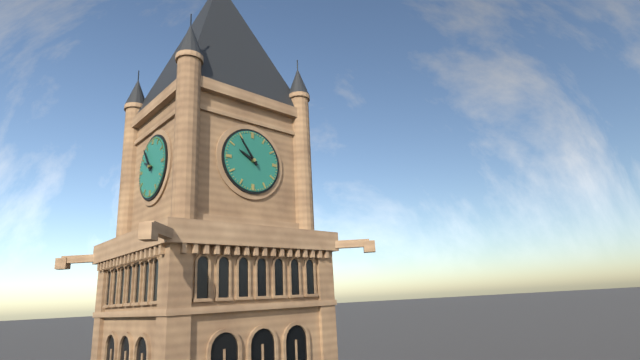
9.54
